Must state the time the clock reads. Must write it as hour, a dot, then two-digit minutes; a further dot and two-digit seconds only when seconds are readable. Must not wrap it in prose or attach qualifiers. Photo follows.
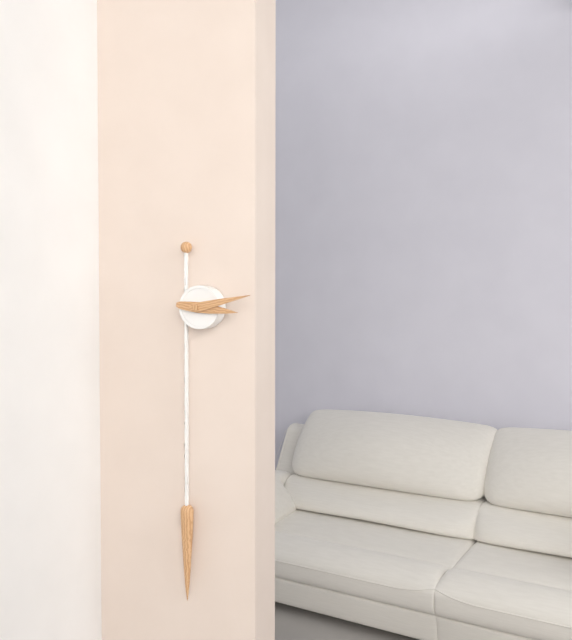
3.13
